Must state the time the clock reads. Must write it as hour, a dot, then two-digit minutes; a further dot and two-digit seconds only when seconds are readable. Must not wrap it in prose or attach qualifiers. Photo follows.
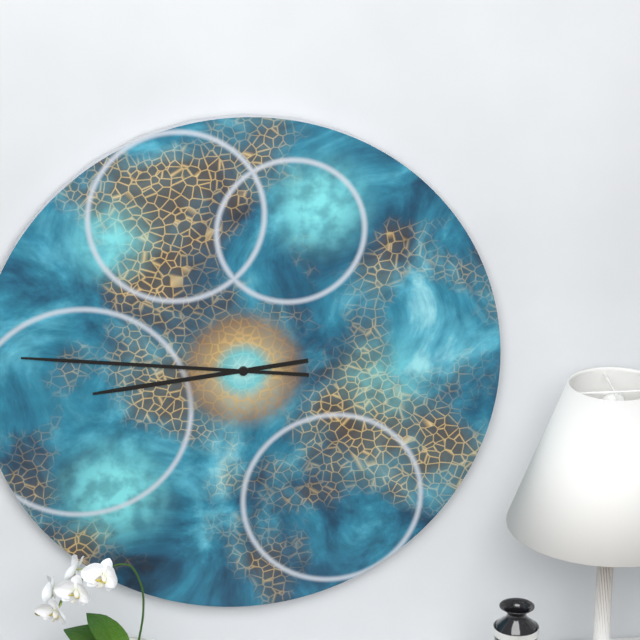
8.46
